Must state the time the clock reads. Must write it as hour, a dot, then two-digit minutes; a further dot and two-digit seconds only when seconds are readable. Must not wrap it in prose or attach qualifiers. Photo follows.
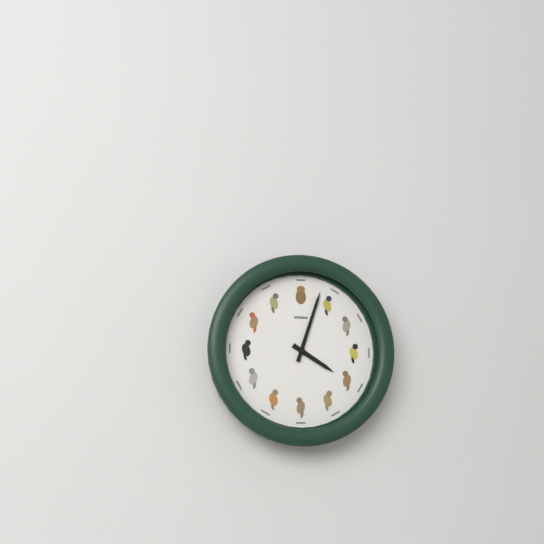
4.03
